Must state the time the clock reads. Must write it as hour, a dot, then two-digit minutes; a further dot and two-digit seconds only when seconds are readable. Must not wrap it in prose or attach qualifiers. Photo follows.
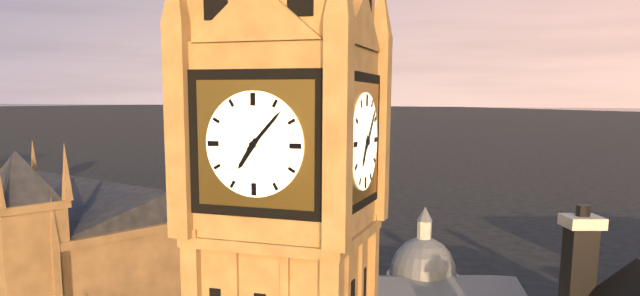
7.07
